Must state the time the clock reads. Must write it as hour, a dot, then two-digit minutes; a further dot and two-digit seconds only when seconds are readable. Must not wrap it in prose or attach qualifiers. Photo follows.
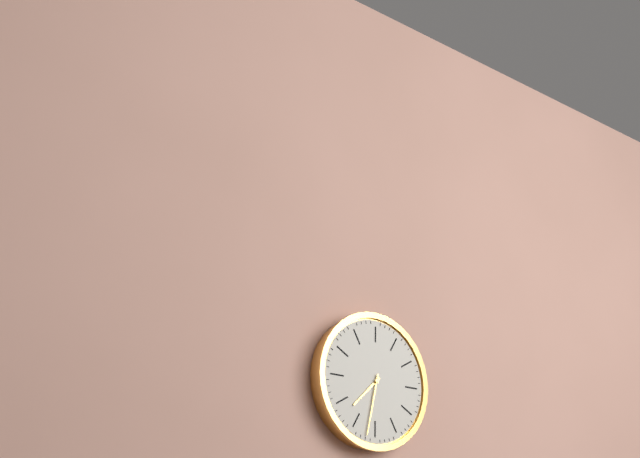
7.32
